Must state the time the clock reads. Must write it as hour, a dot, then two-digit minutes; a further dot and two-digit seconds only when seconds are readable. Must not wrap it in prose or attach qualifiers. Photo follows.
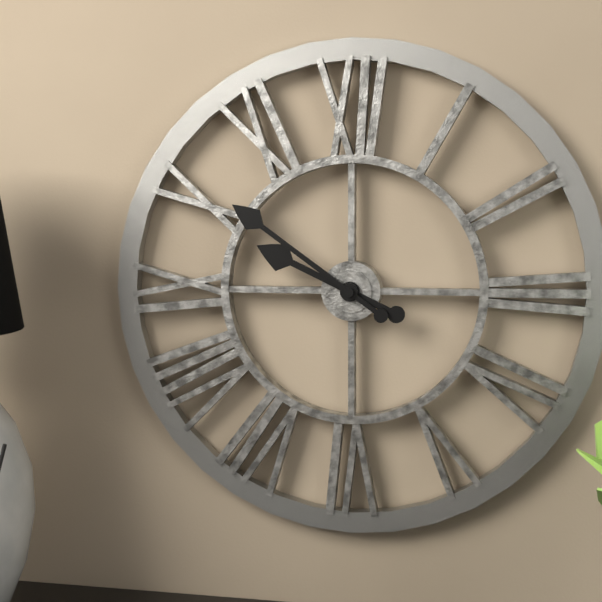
9.51
